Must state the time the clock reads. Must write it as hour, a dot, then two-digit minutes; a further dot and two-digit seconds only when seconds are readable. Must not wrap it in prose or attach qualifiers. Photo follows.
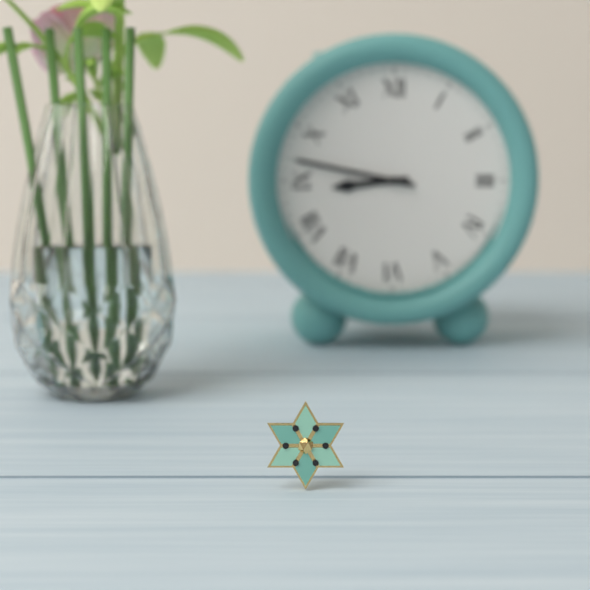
8.47
